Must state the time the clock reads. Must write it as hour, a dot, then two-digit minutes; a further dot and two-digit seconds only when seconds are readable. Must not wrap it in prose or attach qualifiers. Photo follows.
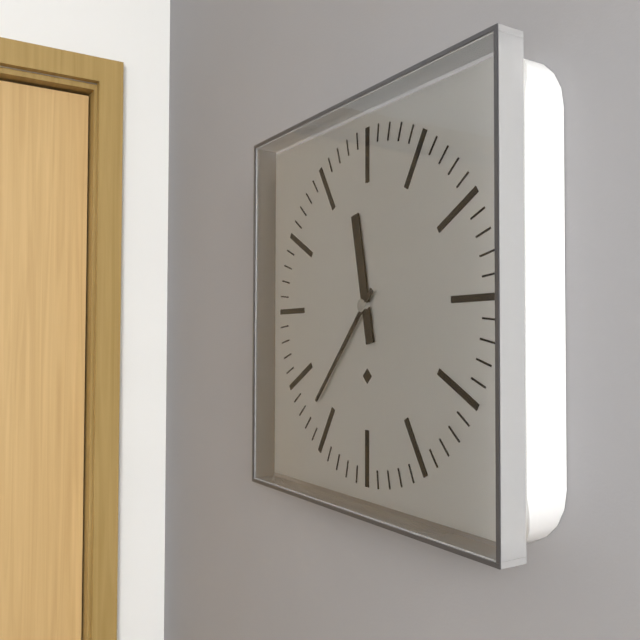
11.37
